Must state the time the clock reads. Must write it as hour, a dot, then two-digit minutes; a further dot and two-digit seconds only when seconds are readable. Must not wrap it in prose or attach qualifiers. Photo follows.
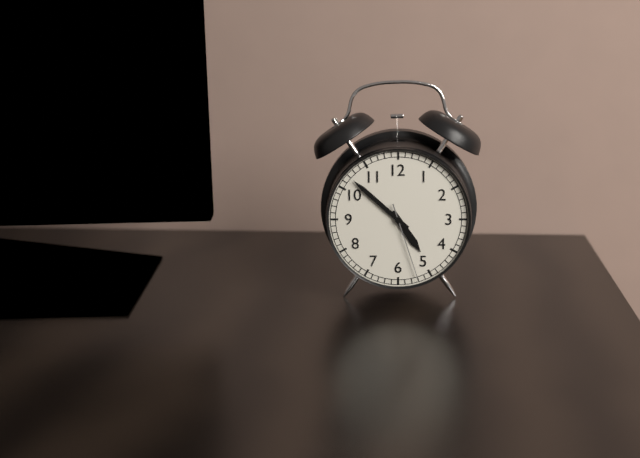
4.52.27
